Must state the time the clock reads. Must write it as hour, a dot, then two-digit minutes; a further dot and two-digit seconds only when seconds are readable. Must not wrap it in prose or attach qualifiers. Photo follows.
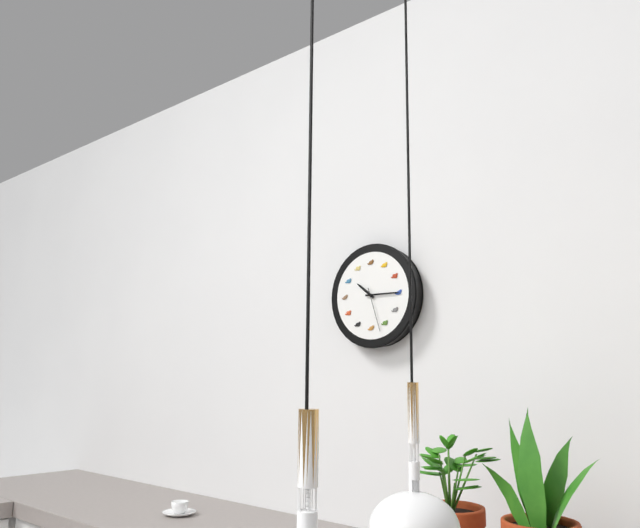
10.15
